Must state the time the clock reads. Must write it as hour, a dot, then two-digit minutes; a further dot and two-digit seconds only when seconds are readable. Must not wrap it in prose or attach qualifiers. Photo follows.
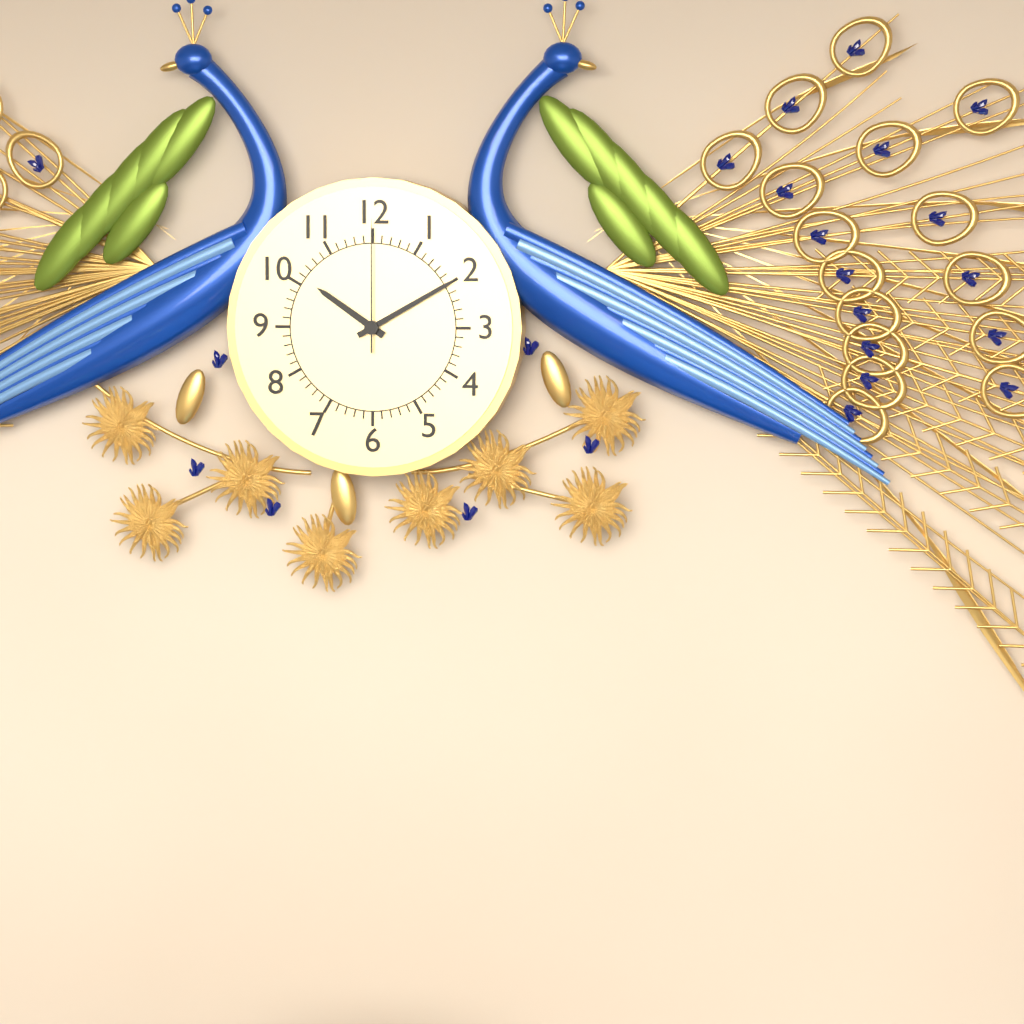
10.10.00
